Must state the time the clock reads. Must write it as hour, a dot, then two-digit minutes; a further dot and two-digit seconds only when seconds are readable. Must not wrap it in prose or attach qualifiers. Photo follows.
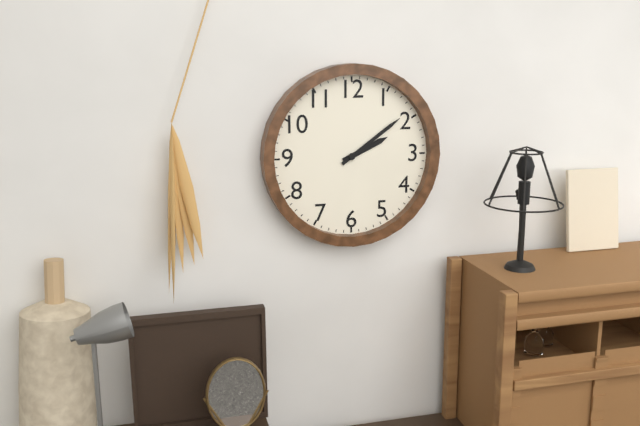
2.09
